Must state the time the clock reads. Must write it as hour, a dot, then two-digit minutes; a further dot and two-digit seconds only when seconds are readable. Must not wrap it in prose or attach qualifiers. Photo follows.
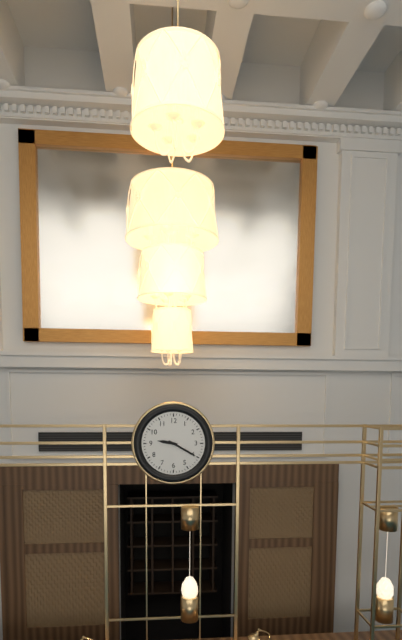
9.20
